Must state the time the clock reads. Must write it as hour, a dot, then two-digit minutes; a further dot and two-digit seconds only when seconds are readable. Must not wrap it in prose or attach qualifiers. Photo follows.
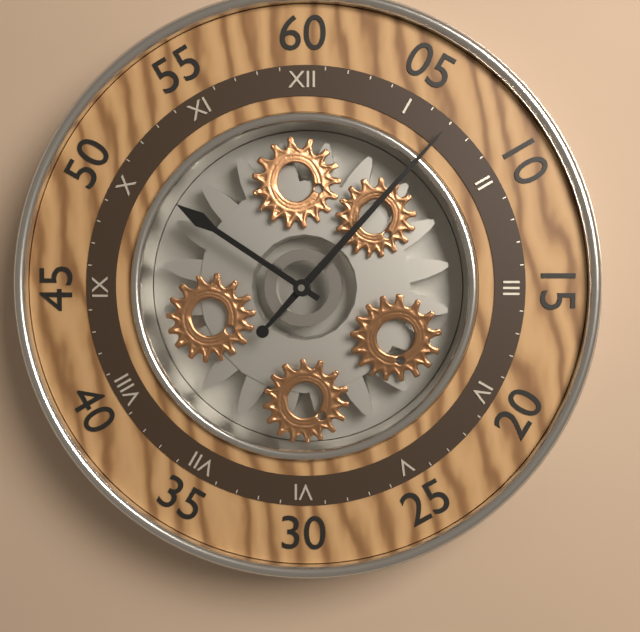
10.07
